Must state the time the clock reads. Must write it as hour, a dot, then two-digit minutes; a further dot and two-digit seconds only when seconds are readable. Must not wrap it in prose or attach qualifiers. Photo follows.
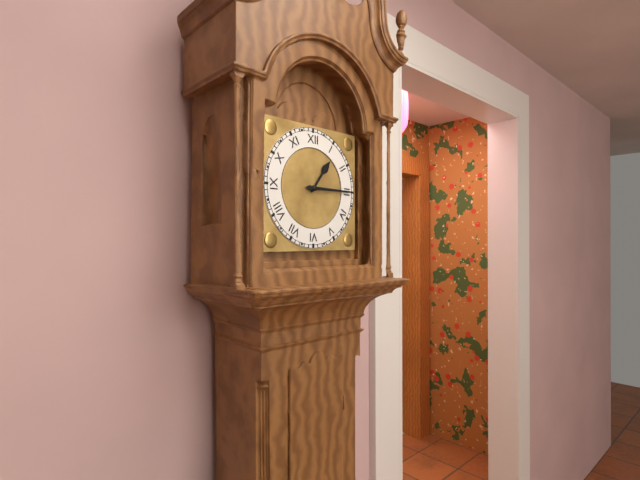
1.15
